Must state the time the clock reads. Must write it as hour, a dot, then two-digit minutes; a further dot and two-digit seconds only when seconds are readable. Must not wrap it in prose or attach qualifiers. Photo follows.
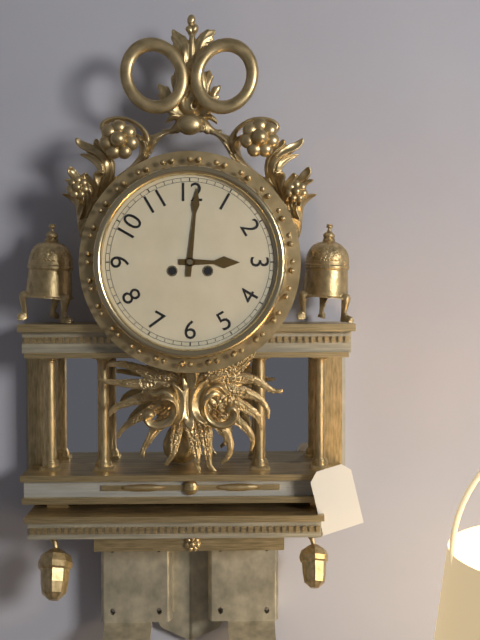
3.01
